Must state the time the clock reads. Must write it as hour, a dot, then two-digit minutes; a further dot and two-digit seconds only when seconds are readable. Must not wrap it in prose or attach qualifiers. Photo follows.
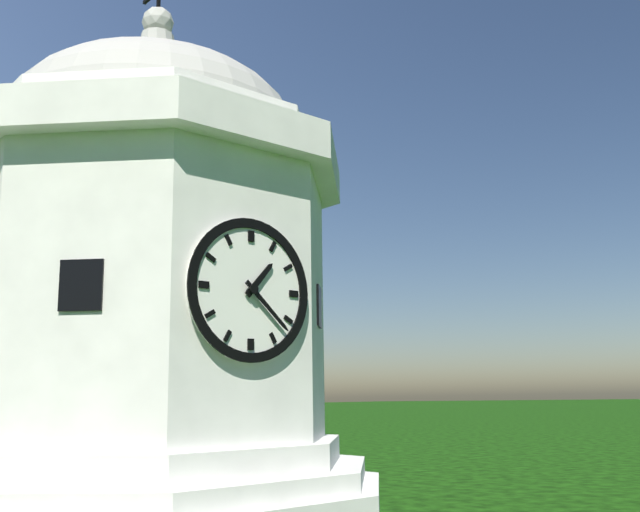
1.22
